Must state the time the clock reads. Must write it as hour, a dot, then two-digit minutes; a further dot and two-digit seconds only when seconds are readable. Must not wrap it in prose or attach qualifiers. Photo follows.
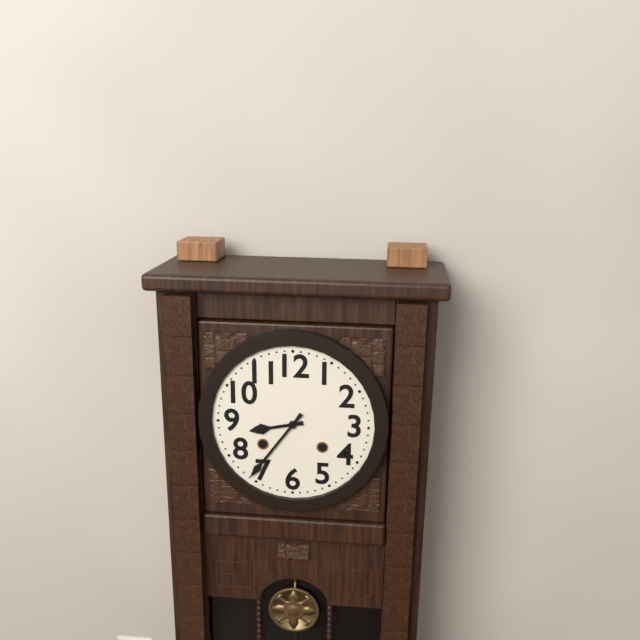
8.36
